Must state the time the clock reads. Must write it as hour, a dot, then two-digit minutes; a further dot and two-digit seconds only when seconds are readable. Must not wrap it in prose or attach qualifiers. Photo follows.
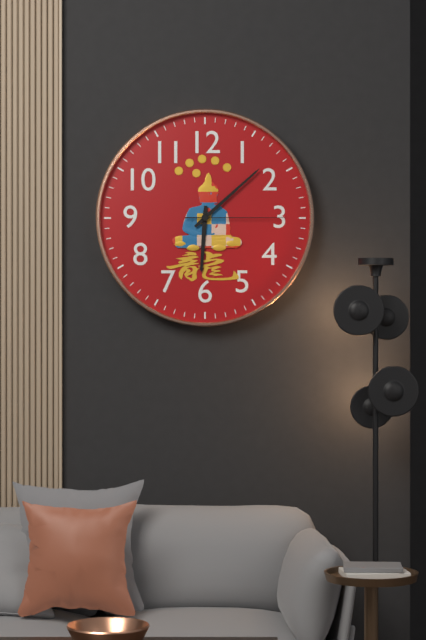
6.08.15
